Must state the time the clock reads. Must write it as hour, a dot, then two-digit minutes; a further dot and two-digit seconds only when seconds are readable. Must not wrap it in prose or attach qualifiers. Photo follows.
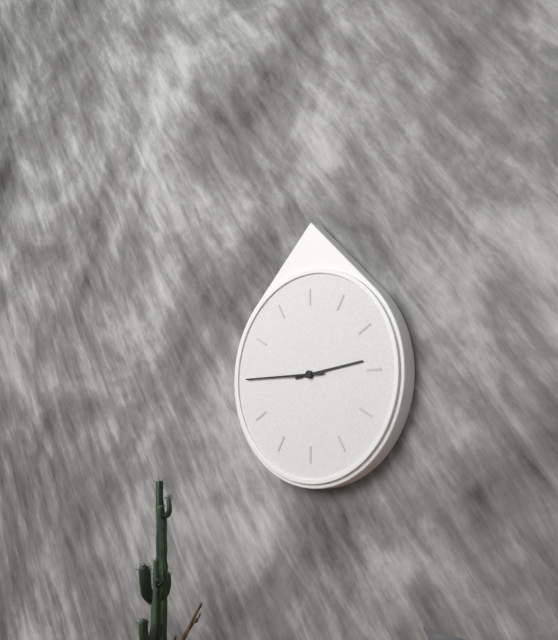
2.45
